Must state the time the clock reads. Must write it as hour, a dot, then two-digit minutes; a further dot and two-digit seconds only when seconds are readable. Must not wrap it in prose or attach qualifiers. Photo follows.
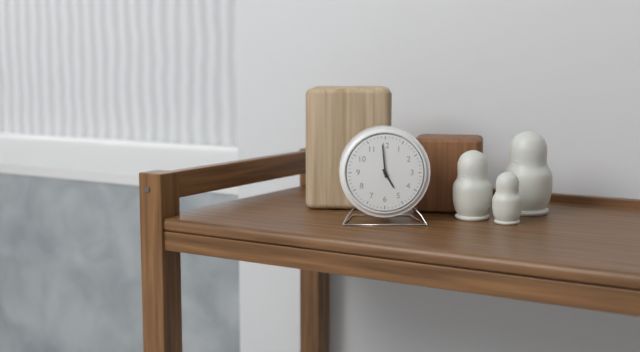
4.59
